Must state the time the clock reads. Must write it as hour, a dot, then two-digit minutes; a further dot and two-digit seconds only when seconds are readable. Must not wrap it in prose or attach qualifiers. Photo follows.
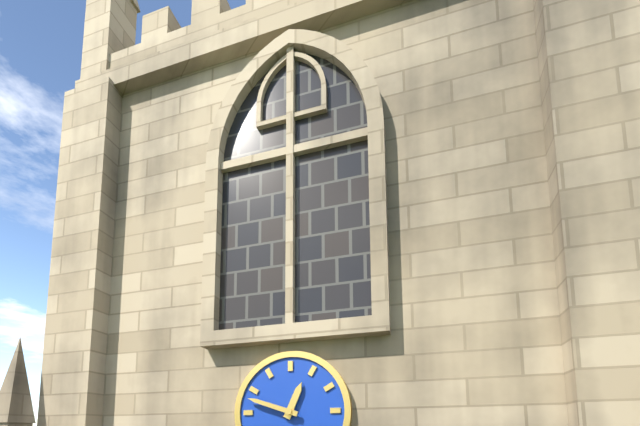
12.48
